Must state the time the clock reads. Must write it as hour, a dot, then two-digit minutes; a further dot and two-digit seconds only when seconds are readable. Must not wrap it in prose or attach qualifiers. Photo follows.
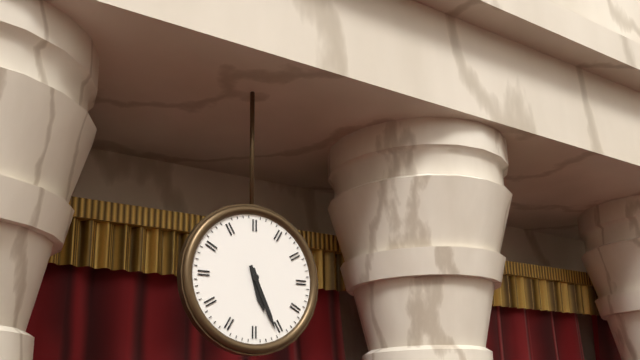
5.26
